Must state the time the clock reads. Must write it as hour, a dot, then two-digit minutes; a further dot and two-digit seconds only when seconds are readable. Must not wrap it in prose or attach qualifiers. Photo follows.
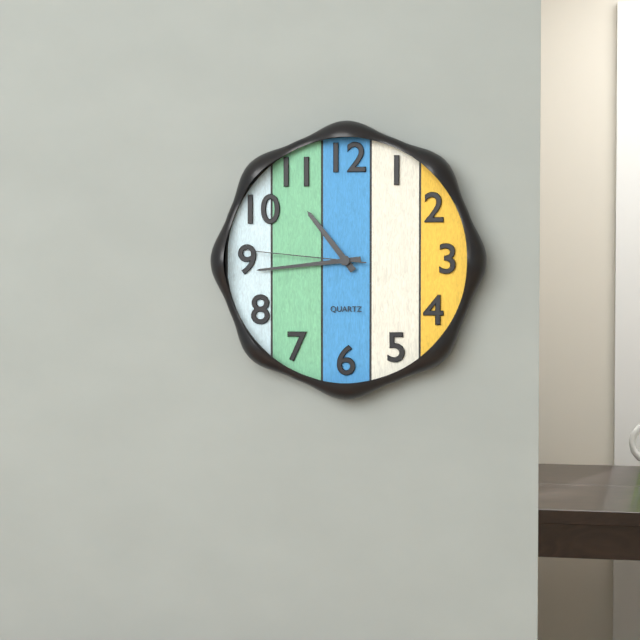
10.44.46
